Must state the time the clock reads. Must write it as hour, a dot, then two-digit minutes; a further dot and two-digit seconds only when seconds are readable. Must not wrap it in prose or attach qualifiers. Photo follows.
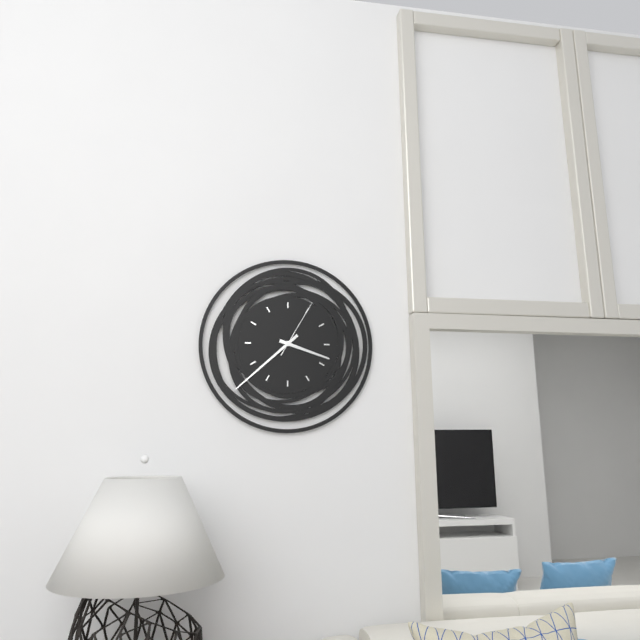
3.38.05
